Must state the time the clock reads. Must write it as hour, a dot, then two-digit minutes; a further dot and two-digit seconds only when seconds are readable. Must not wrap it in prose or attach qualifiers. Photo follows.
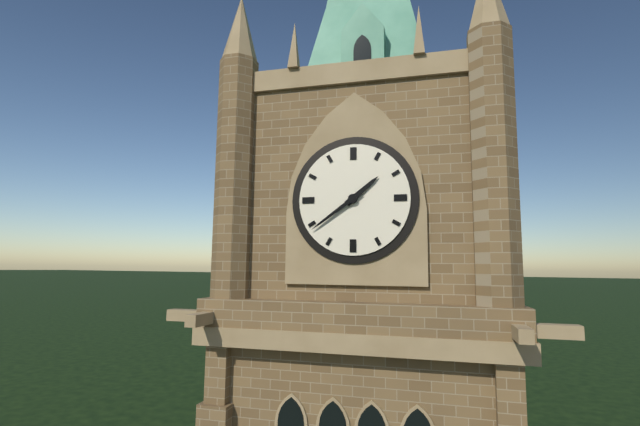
1.39
